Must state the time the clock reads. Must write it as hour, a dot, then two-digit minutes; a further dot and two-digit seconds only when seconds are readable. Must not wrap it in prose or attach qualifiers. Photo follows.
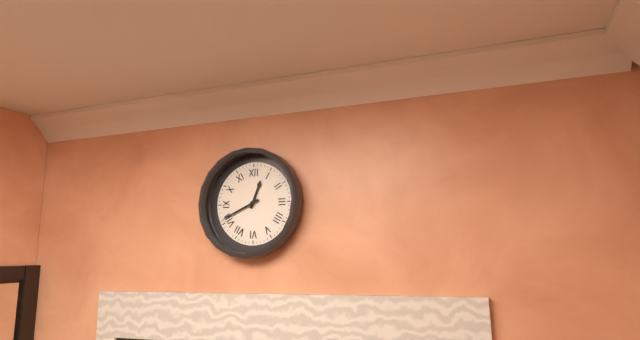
12.41
